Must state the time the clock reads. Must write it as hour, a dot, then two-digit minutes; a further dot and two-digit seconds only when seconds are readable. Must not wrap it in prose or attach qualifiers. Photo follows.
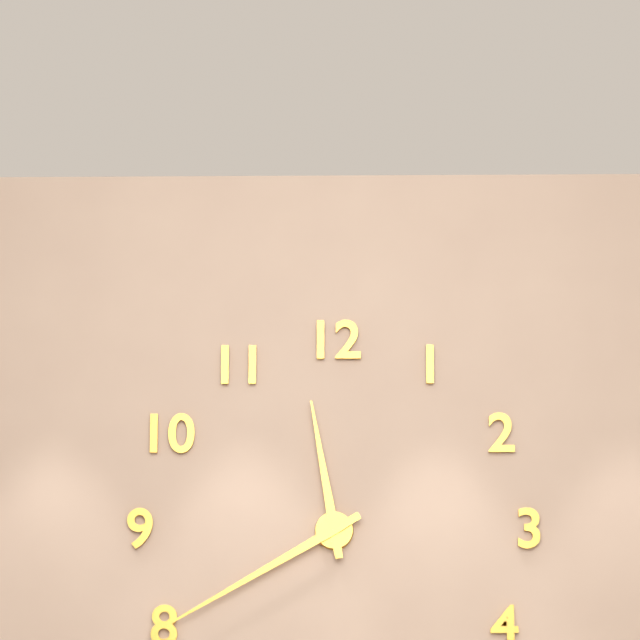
11.40
